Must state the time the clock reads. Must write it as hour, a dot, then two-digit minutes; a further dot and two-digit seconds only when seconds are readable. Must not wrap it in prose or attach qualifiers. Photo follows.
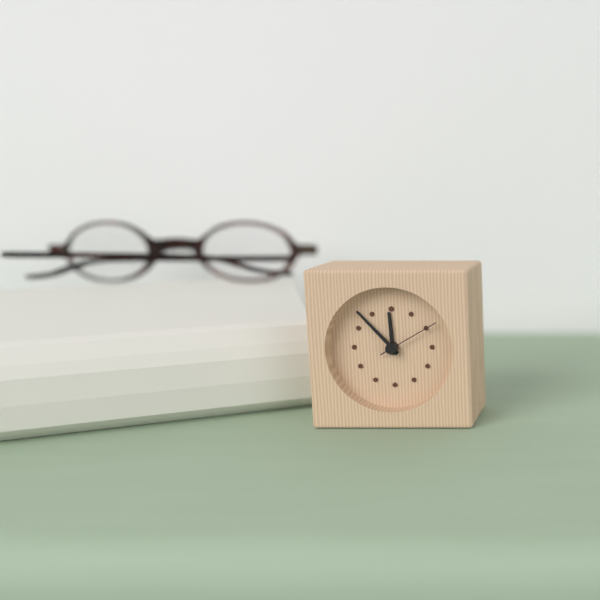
11.53.10
